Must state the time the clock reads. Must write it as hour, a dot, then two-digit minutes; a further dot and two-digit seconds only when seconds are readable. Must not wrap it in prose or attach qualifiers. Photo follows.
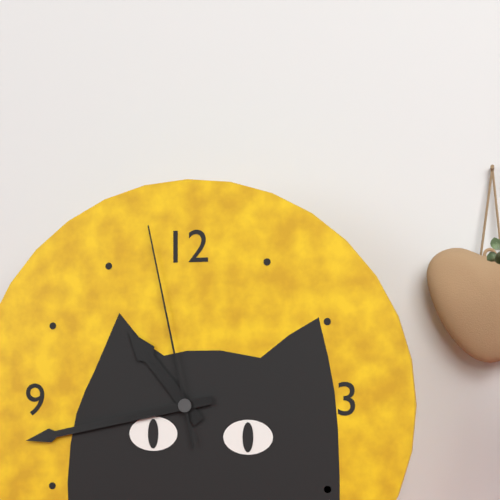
10.43.58
